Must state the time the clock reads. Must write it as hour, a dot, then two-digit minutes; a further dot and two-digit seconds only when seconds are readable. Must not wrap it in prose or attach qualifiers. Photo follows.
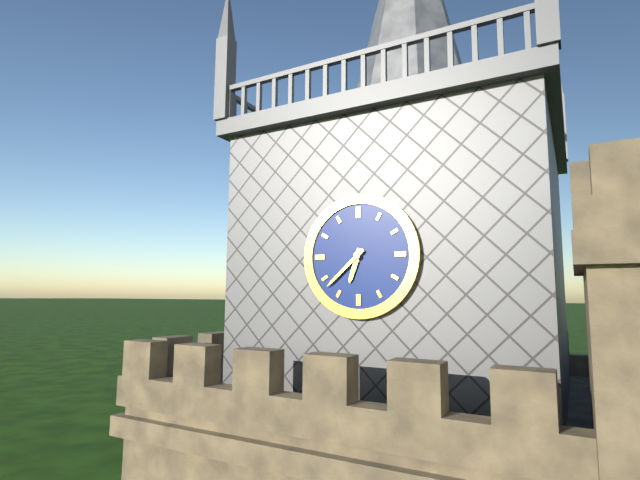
6.38
